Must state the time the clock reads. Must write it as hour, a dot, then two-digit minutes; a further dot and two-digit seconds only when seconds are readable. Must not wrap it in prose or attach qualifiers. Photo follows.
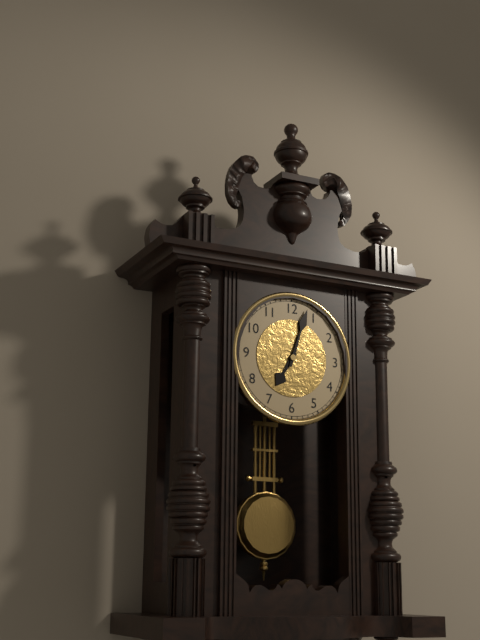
7.03
